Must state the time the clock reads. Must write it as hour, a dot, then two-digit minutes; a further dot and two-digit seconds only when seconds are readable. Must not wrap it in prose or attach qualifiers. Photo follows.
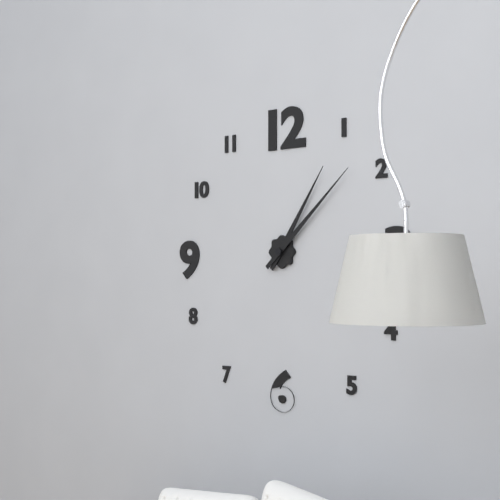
1.08
